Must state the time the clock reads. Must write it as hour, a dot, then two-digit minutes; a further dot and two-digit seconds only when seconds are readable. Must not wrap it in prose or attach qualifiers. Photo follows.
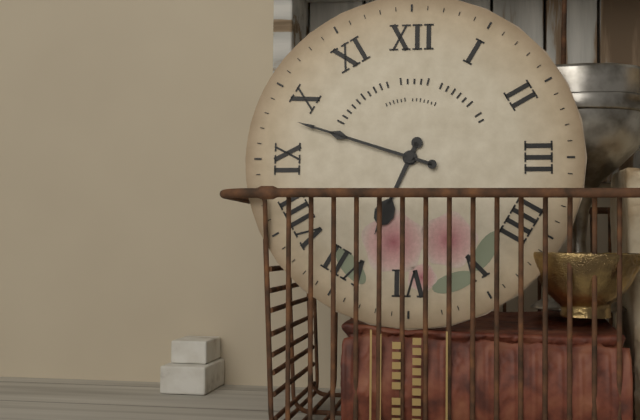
6.48
